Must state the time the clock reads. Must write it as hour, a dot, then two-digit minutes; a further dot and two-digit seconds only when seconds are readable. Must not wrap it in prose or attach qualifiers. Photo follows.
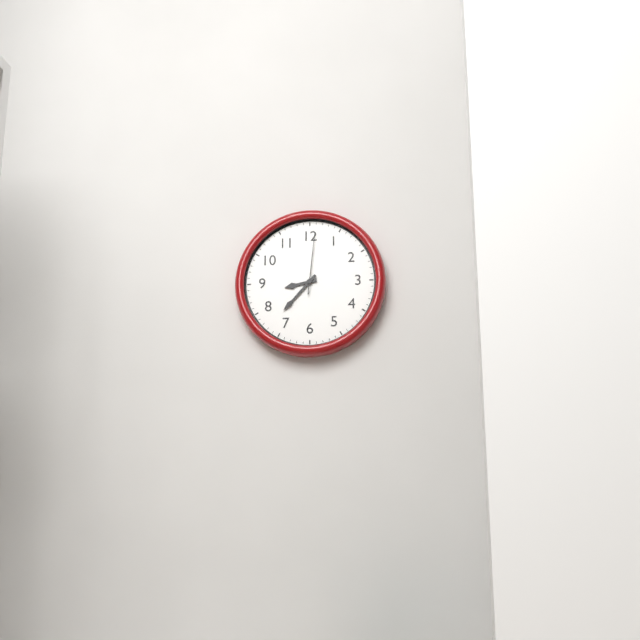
8.37.01
